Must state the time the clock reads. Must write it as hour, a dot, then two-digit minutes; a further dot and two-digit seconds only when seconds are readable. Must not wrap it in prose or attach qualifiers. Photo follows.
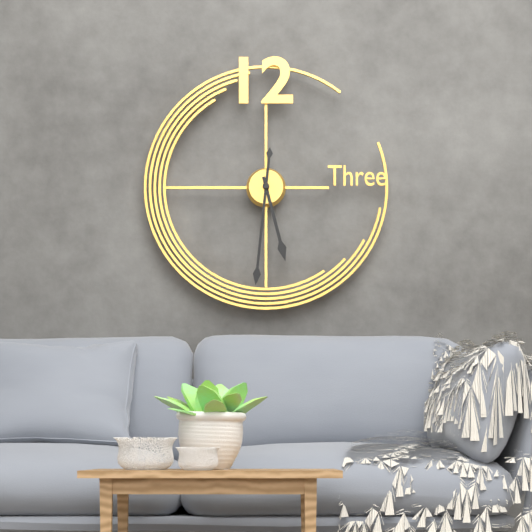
5.31
